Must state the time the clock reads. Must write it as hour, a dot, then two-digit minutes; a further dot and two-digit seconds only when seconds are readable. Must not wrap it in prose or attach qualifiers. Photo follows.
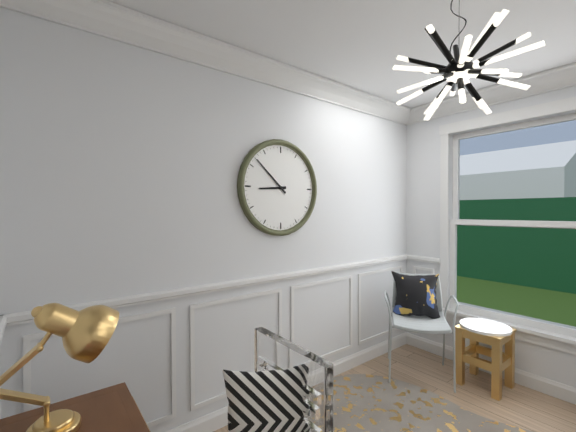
8.52
